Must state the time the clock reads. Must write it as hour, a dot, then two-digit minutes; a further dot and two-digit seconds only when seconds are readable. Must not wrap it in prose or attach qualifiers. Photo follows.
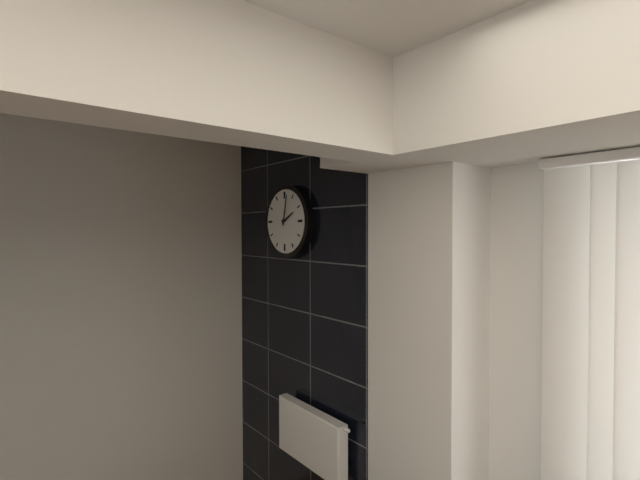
2.02
